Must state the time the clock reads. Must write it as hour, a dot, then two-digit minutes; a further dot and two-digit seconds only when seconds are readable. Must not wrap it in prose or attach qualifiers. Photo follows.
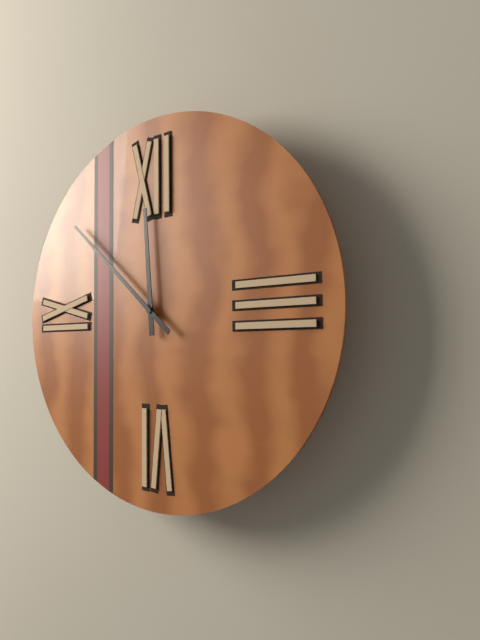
11.52
